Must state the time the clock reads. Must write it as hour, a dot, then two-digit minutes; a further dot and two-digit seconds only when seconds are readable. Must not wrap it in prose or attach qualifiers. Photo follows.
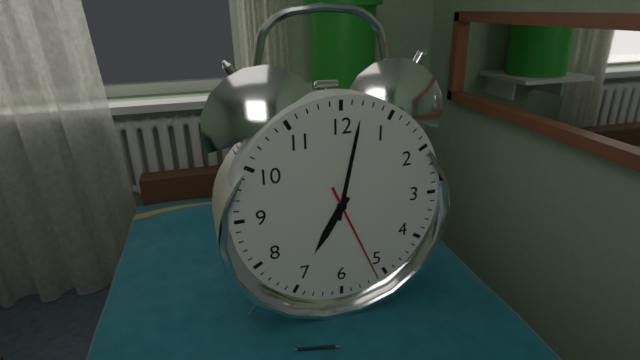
7.02.26
